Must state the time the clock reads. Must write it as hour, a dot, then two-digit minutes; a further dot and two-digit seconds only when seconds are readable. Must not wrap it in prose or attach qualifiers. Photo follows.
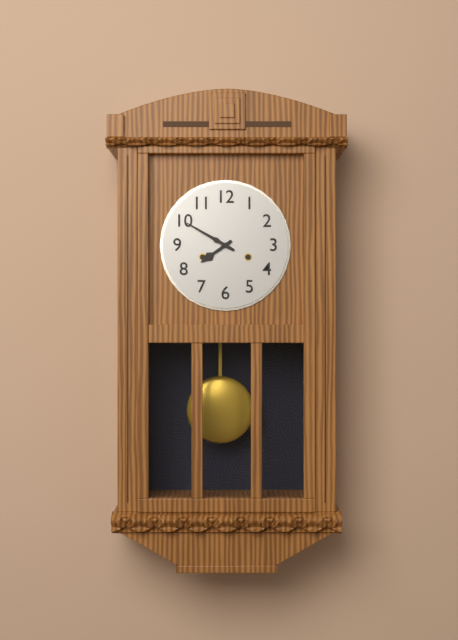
7.50
